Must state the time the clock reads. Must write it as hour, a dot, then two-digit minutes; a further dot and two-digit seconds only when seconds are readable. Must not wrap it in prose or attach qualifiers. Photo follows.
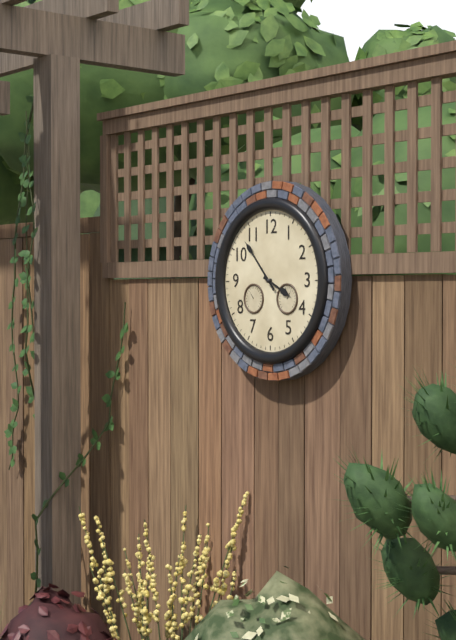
3.53
